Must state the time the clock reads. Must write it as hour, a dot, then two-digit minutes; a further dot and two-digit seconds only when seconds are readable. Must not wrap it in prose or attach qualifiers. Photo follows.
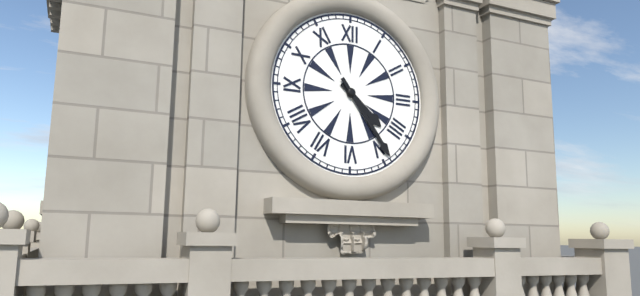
4.24
